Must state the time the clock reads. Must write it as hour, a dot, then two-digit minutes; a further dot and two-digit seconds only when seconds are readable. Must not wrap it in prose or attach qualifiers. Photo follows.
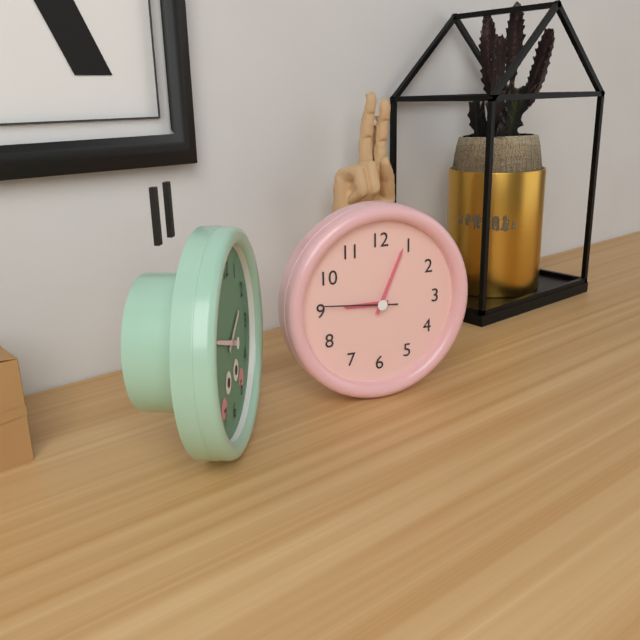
9.04.46
